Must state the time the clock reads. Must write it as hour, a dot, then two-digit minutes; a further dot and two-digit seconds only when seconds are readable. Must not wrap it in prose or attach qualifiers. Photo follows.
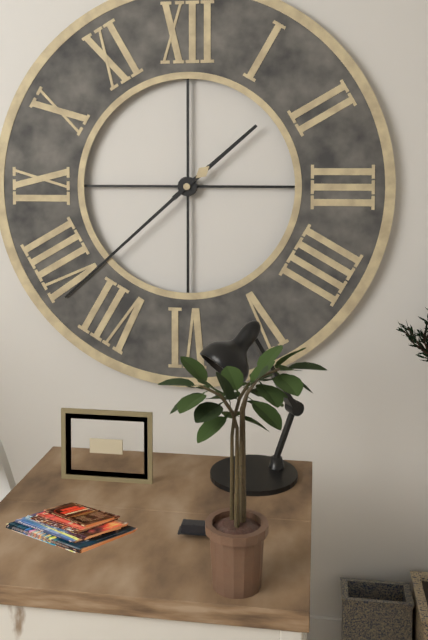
1.38
